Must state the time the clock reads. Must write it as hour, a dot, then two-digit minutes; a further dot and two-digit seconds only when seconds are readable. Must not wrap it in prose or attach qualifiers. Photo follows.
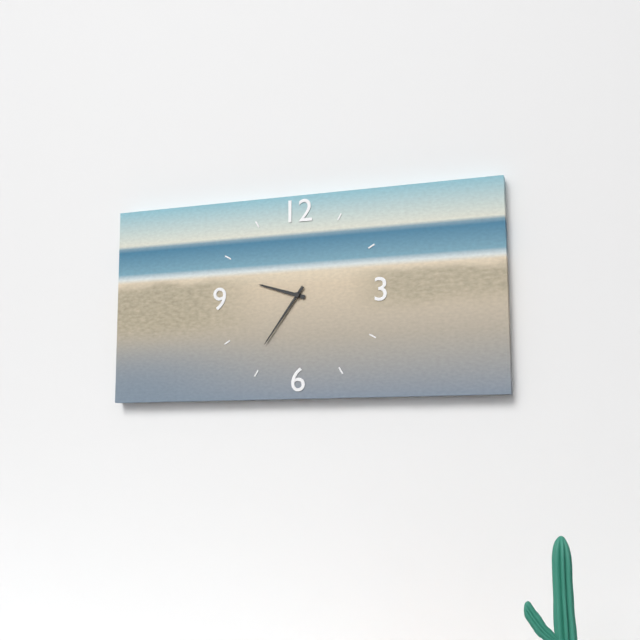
9.36
